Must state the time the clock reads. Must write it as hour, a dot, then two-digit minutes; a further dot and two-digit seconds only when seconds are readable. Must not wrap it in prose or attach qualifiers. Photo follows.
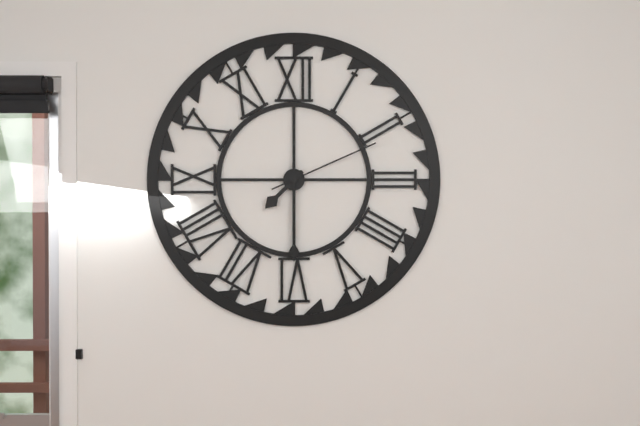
7.30.11
